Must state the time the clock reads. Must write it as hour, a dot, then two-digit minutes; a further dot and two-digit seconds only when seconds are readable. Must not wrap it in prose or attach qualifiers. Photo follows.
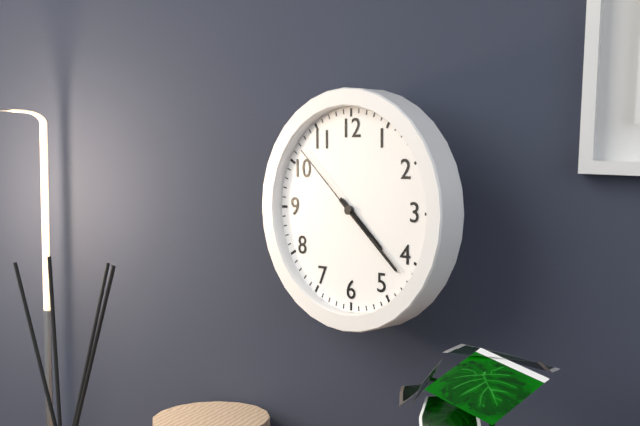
4.22.52
